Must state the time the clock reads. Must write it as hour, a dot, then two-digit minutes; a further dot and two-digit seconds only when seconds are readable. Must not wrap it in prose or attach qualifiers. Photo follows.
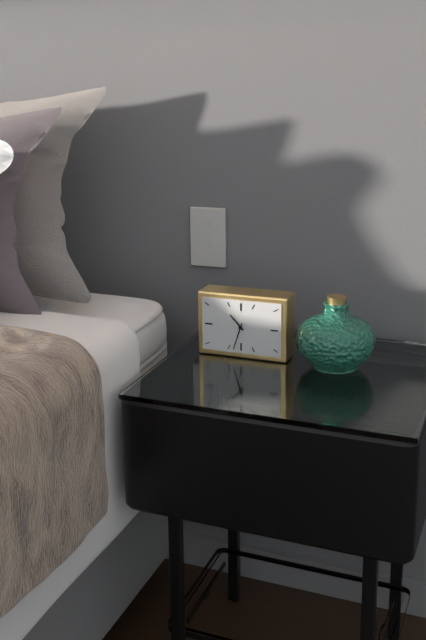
10.33
